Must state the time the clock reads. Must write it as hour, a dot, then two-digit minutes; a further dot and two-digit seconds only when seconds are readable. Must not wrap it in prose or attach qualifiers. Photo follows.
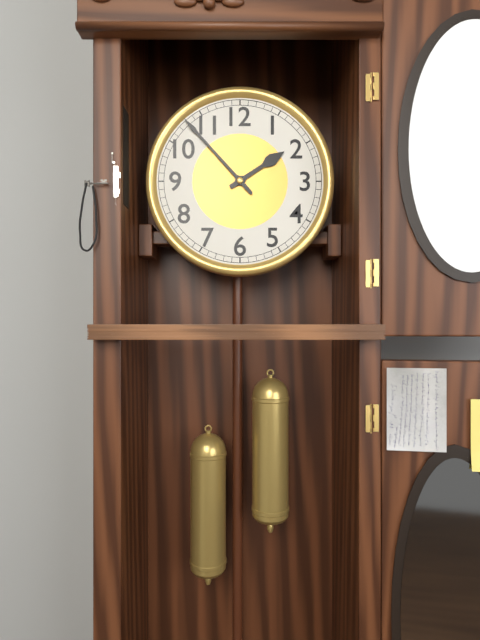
1.53
